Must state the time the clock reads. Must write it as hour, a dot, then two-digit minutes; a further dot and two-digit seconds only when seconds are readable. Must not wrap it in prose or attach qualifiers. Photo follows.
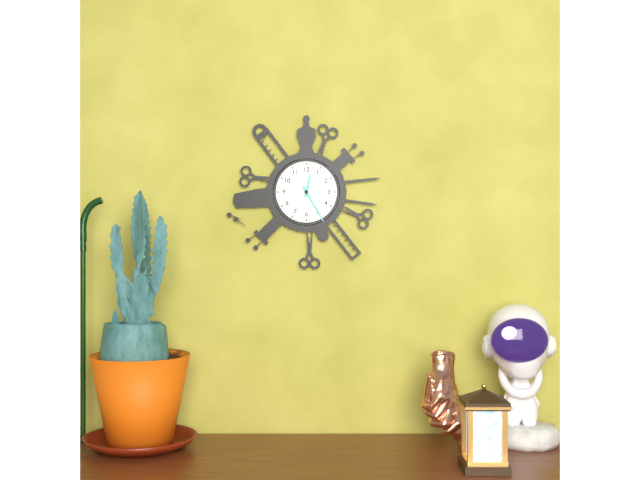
12.25
